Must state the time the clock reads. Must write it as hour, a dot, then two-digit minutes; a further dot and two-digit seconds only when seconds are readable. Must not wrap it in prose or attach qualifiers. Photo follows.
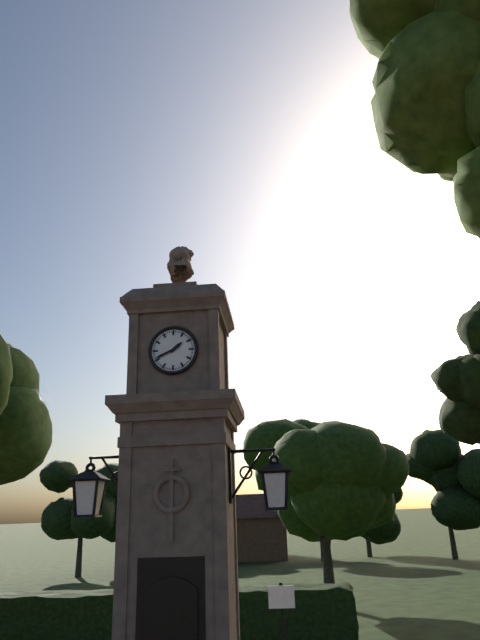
1.41
